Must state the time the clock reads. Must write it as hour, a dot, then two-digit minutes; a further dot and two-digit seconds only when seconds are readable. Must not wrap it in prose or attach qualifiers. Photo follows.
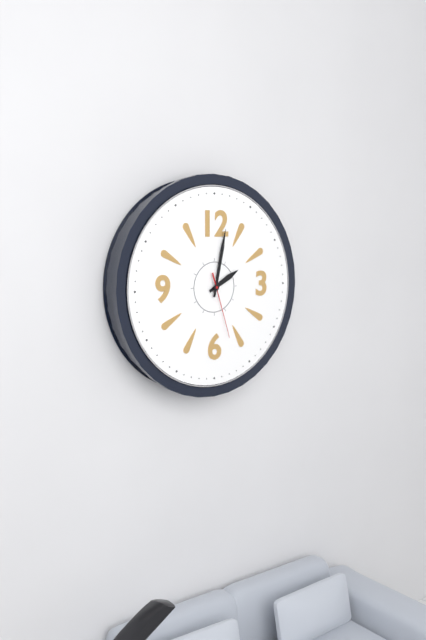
2.02.27
